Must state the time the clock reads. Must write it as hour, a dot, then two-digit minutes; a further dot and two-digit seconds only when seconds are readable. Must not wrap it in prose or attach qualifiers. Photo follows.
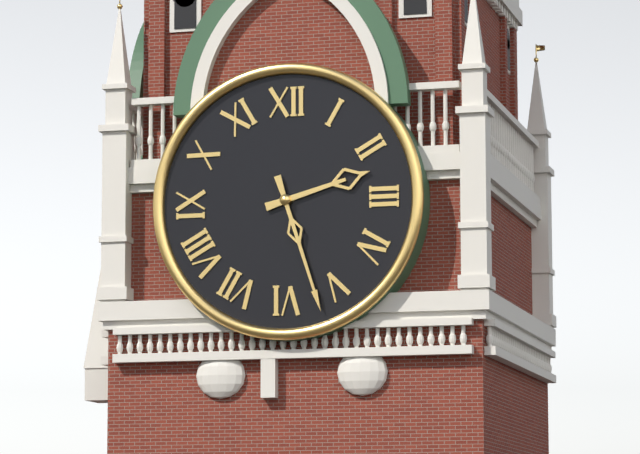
2.27
